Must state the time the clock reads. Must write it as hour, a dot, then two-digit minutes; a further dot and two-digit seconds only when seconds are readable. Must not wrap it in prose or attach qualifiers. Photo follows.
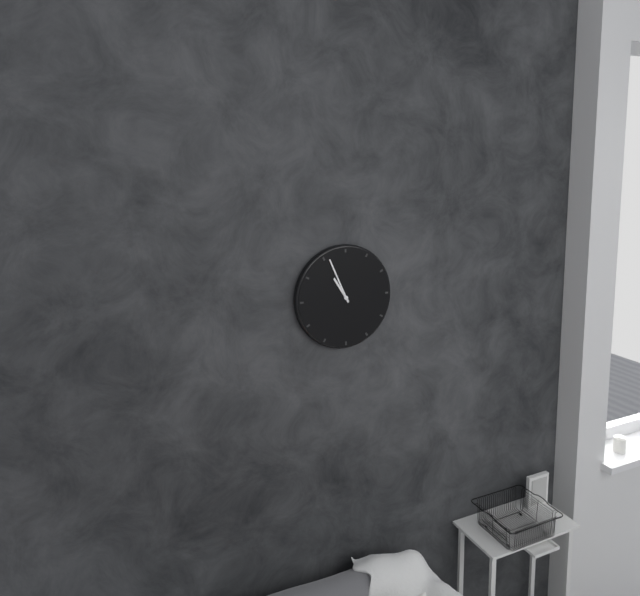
10.56
